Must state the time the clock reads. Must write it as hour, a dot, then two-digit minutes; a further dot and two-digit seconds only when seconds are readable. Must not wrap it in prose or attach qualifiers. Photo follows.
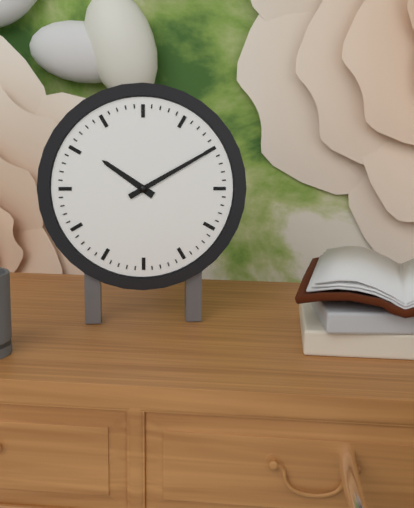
10.10
